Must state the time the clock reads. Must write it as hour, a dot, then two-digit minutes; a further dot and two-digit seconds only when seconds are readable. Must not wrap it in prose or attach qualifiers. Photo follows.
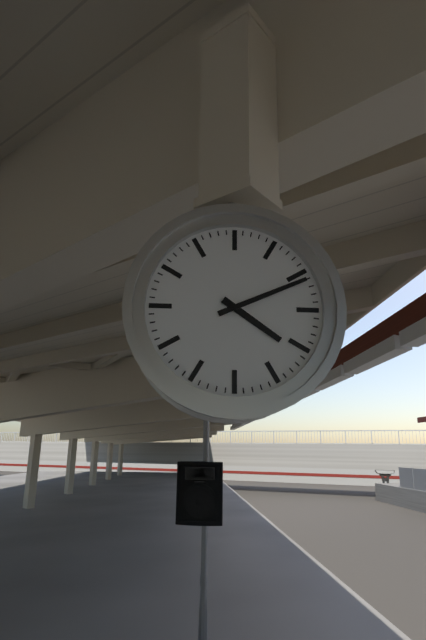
4.11
